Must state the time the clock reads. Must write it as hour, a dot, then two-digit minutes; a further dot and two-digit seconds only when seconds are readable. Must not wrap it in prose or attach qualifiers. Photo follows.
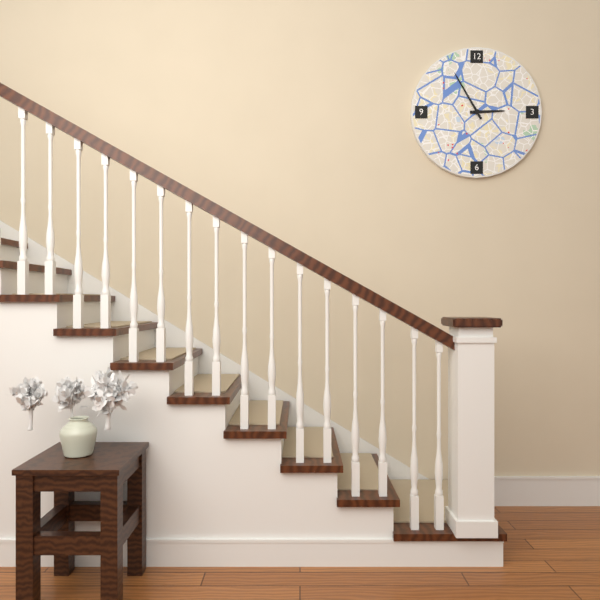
2.55
